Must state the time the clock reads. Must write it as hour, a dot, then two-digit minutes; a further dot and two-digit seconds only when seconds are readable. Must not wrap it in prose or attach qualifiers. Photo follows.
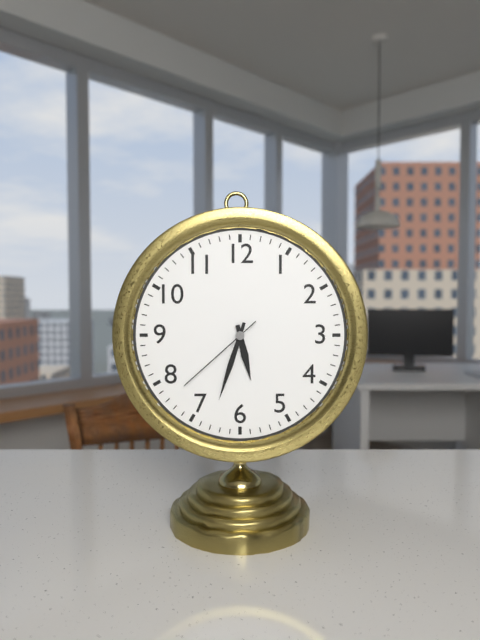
5.33.38
